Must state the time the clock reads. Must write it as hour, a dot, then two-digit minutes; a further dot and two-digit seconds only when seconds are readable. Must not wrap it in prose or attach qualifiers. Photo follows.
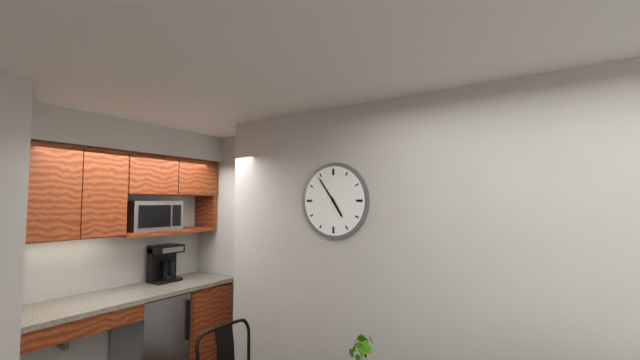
4.54
